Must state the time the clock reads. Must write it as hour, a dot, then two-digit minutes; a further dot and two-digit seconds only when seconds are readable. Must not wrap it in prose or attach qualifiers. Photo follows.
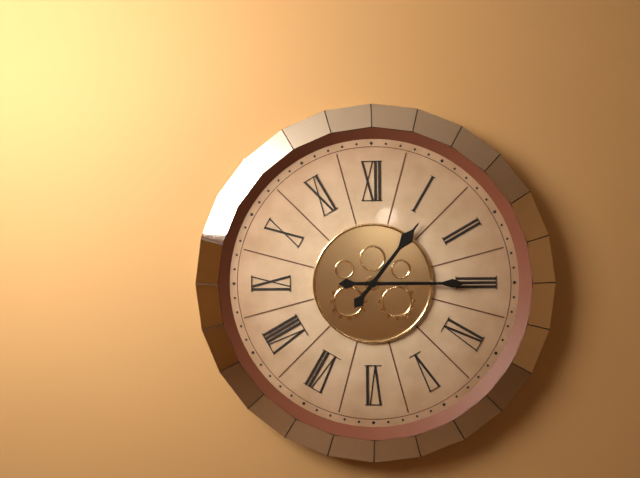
1.15
